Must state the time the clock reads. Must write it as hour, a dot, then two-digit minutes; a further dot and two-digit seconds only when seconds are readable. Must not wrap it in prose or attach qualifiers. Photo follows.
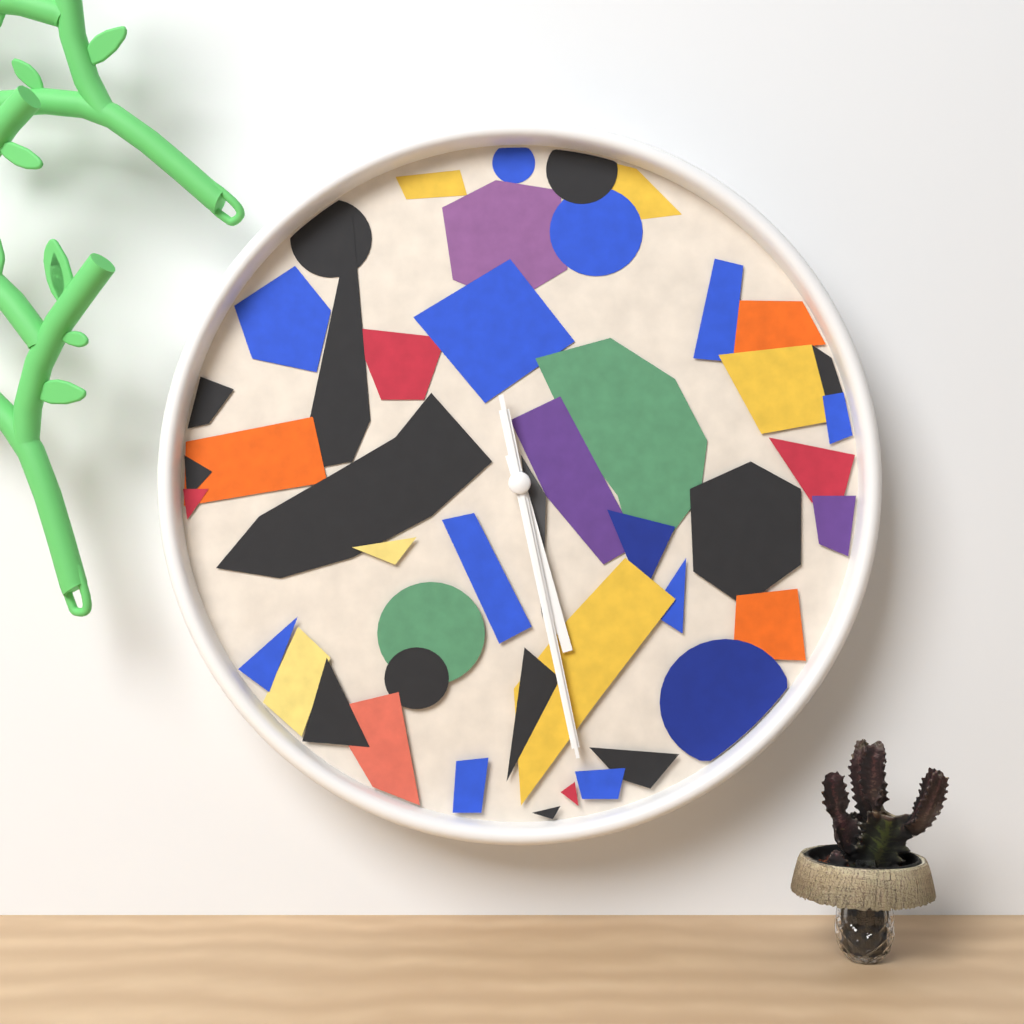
5.28.28
